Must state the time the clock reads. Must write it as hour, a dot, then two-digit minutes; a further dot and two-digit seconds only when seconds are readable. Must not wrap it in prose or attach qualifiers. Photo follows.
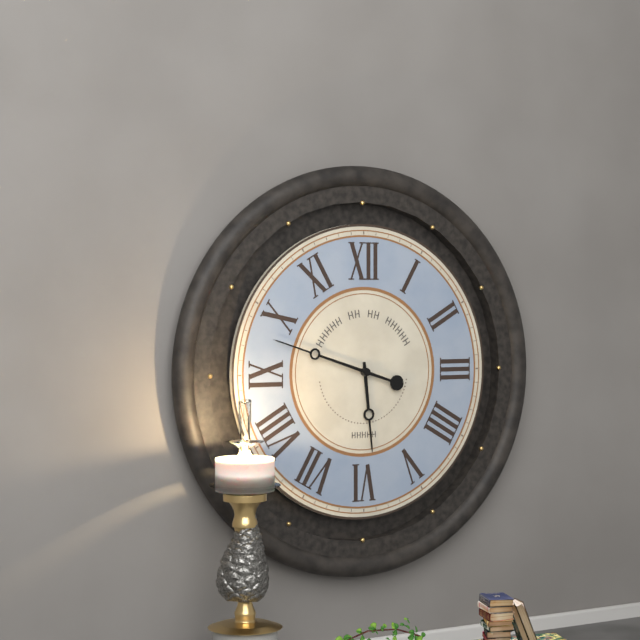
5.48
